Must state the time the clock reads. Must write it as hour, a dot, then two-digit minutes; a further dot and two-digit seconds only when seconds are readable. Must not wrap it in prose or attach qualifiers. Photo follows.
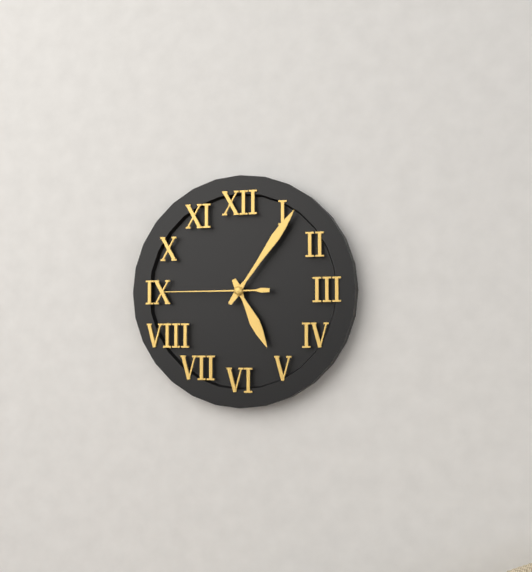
5.06.45
